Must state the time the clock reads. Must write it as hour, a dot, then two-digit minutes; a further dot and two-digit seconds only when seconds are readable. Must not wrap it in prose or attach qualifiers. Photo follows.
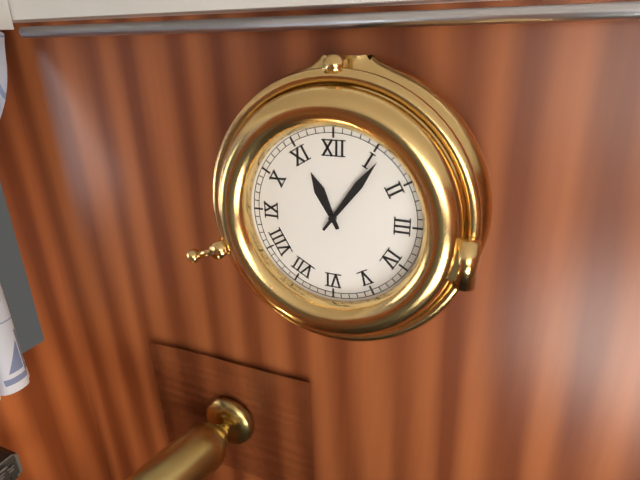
11.06
